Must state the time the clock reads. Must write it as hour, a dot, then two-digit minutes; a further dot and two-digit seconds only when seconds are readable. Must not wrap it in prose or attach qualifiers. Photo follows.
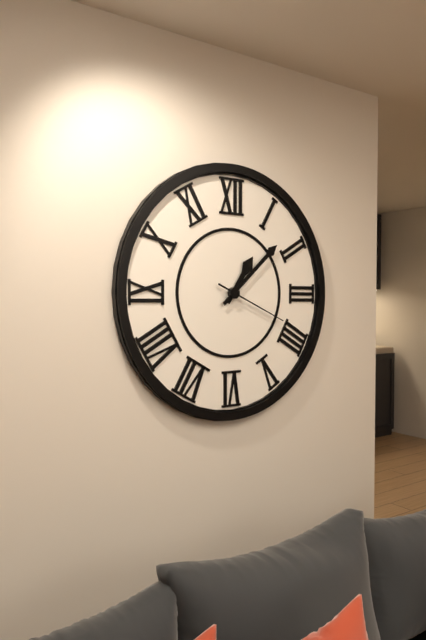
1.08.19
